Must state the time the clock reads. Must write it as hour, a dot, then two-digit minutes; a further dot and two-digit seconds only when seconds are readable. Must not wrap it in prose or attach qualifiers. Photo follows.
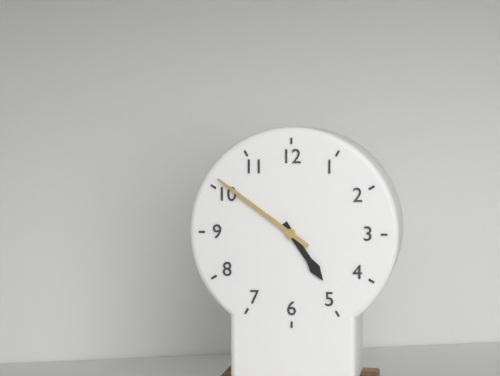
4.51
